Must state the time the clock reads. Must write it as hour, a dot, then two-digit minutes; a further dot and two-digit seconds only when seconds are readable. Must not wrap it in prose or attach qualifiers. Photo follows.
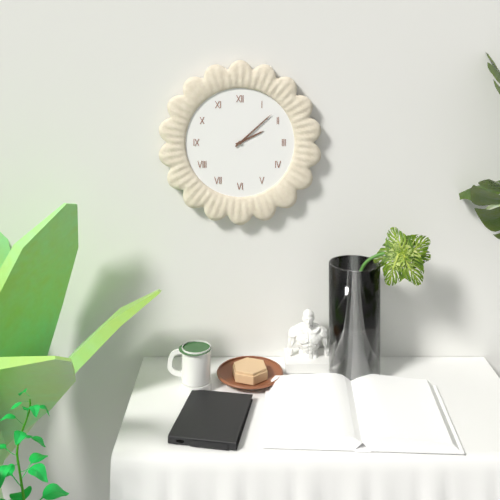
2.08
